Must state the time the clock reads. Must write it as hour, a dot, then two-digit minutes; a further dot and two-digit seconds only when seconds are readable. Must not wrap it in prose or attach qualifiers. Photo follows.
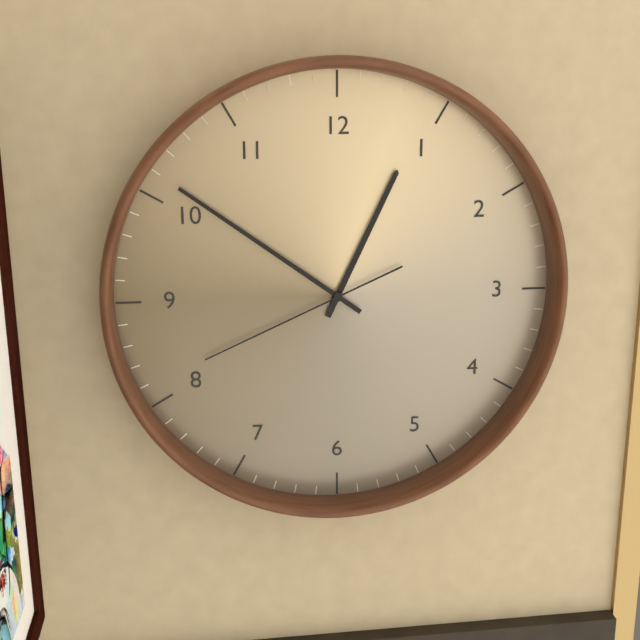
12.51.41
